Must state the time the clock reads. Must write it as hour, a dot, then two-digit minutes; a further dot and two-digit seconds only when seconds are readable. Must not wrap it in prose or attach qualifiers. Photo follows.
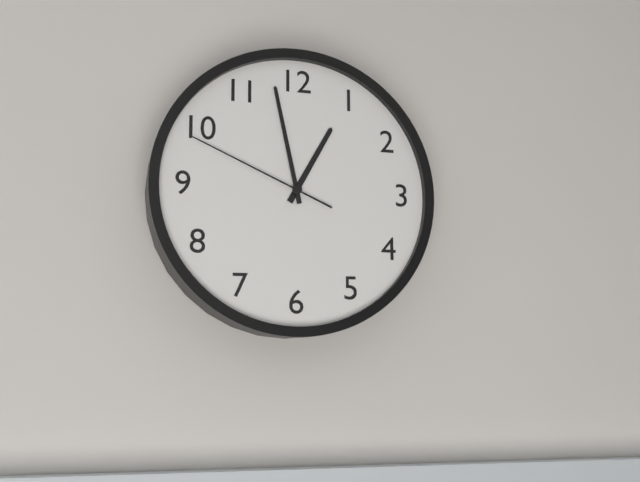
12.58.49
